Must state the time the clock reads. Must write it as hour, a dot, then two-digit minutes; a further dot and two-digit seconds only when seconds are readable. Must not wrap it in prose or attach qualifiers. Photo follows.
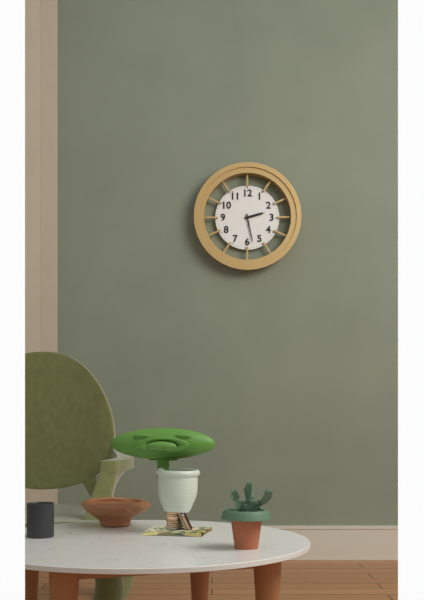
2.28
